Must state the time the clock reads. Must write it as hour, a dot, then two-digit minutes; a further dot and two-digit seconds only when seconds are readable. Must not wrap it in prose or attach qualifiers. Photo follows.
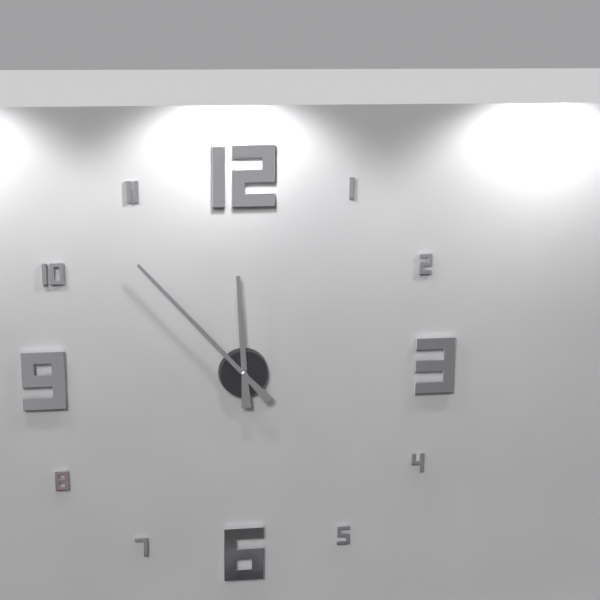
11.53
